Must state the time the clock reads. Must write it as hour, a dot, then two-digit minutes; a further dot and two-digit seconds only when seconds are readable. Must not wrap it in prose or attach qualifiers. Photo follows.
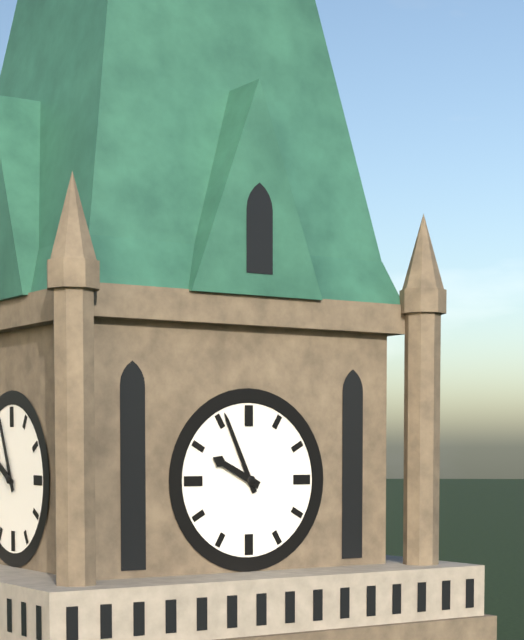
9.56
